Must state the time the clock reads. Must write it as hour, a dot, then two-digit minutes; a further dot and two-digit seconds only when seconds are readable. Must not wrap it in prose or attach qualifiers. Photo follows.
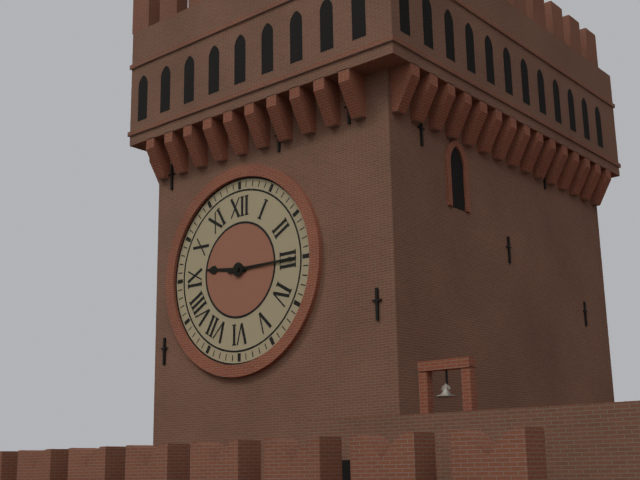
9.15
